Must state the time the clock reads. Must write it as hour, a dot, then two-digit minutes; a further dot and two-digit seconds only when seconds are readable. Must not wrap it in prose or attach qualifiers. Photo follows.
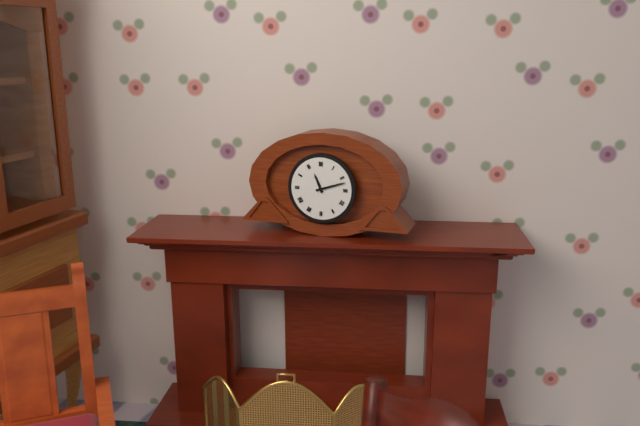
11.12
